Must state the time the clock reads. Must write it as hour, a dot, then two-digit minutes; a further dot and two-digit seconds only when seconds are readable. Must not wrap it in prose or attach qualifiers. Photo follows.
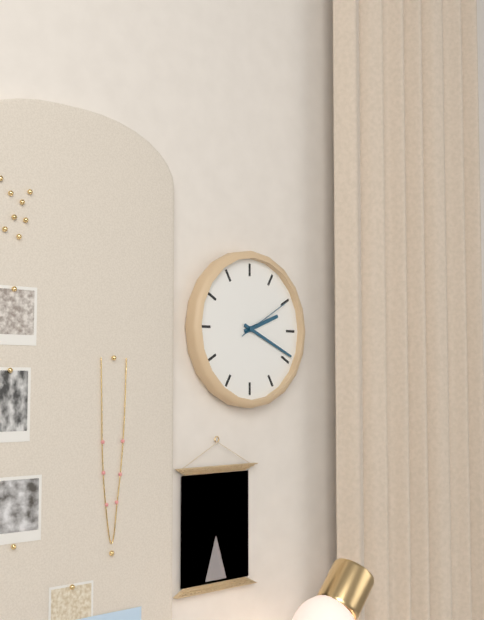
2.19.10
